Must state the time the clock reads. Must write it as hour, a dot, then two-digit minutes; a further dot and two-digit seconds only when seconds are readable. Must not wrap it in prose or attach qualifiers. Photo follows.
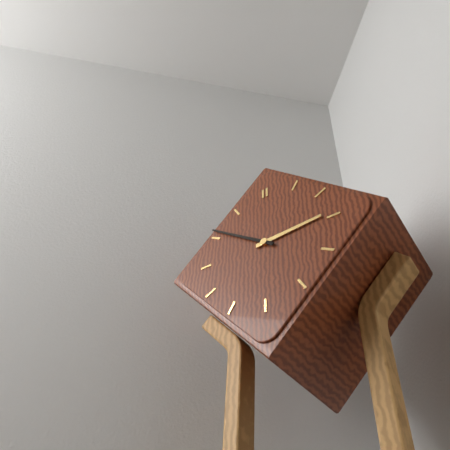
2.51
